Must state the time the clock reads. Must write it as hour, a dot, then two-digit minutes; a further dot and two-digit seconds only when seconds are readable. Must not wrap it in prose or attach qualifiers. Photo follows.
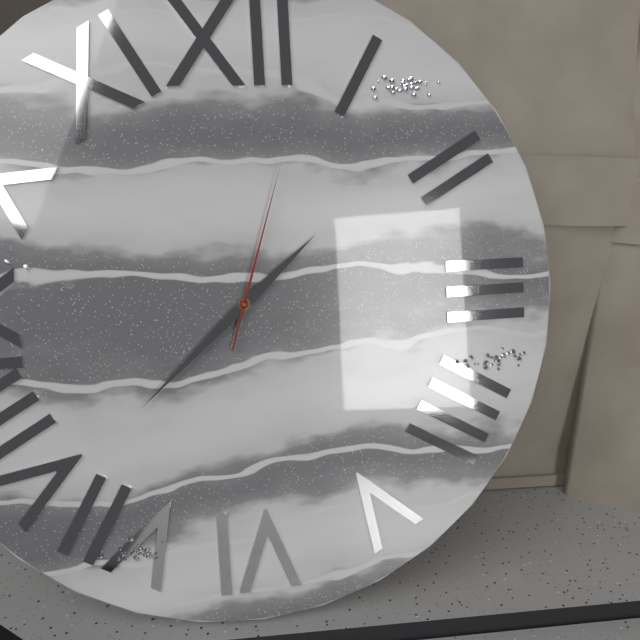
1.38.03
